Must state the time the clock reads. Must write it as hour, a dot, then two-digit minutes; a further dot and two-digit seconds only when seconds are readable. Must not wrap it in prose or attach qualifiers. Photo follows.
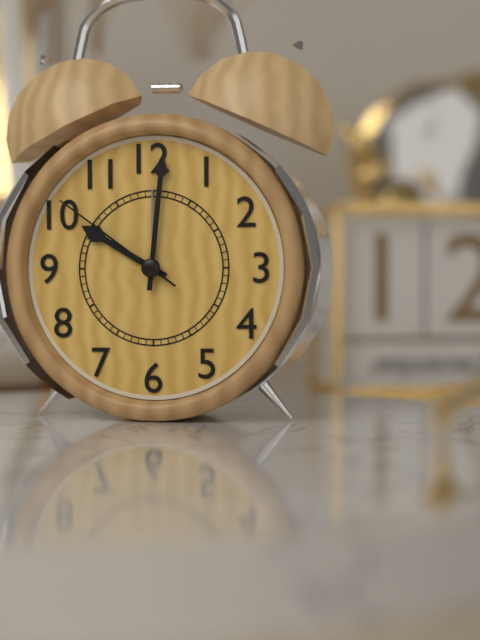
10.01.51
